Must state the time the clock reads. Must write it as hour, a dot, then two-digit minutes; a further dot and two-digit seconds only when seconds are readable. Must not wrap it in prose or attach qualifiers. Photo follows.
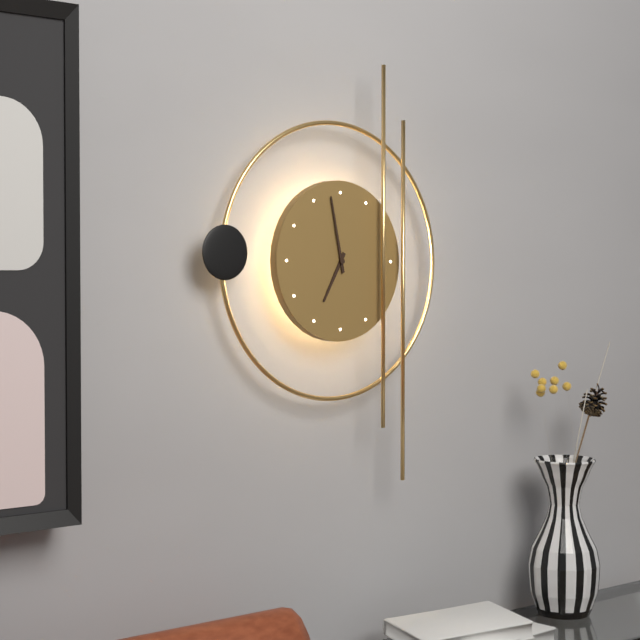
6.58
